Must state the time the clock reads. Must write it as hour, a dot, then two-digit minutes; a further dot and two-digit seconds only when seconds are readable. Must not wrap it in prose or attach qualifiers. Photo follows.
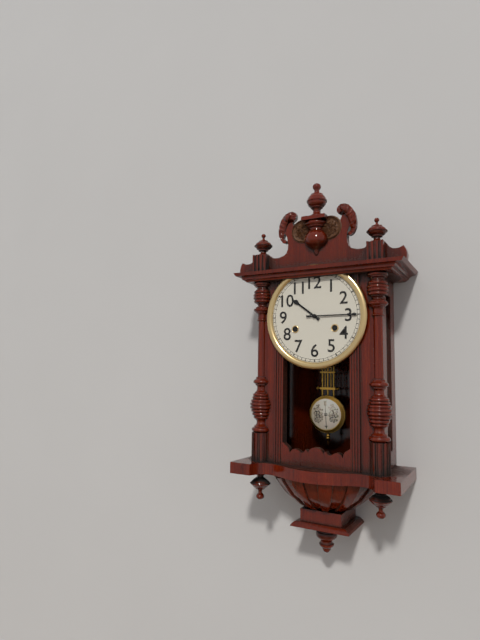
10.15
